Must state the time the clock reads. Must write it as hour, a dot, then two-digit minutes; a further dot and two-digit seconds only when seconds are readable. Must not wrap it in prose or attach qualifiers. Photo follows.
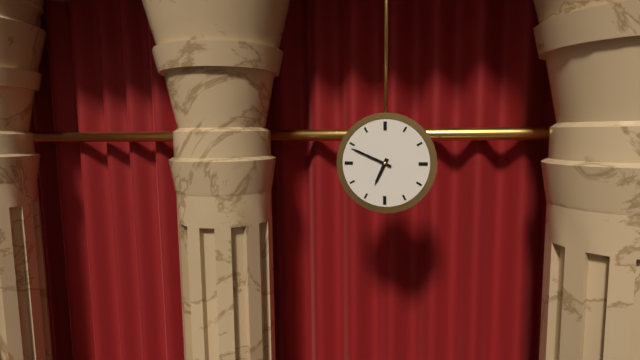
6.49
